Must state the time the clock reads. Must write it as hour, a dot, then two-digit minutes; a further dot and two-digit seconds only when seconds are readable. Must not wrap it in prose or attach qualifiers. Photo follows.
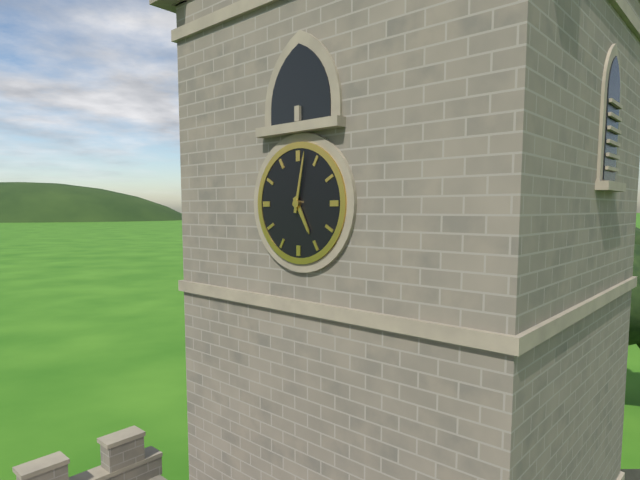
5.02
